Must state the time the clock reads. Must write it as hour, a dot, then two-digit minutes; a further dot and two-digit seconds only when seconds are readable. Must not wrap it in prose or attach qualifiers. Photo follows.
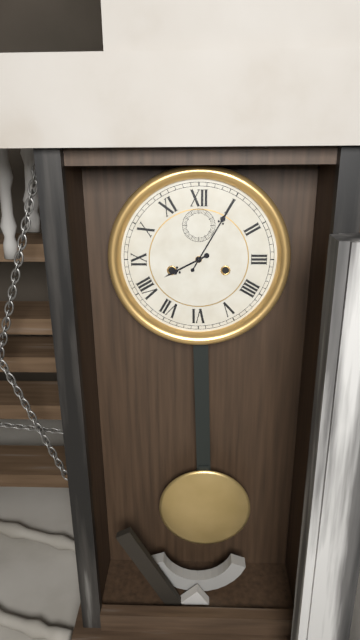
8.05
